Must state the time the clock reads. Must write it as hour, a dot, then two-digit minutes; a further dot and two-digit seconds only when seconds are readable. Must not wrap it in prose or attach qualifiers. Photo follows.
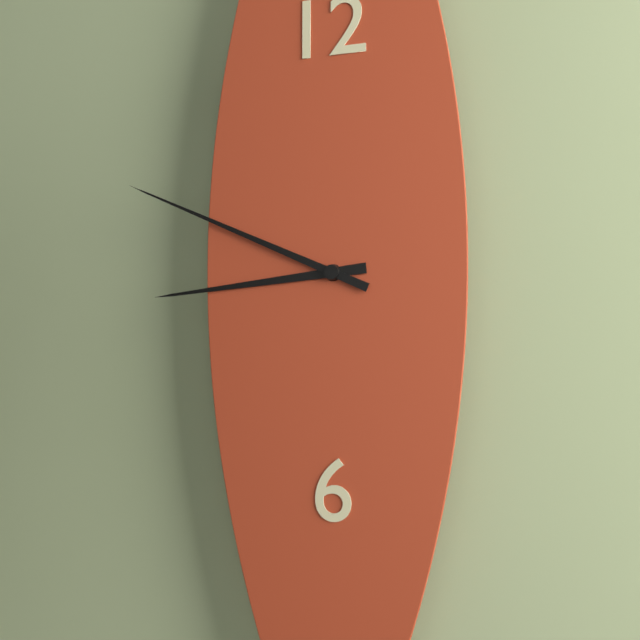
8.49
